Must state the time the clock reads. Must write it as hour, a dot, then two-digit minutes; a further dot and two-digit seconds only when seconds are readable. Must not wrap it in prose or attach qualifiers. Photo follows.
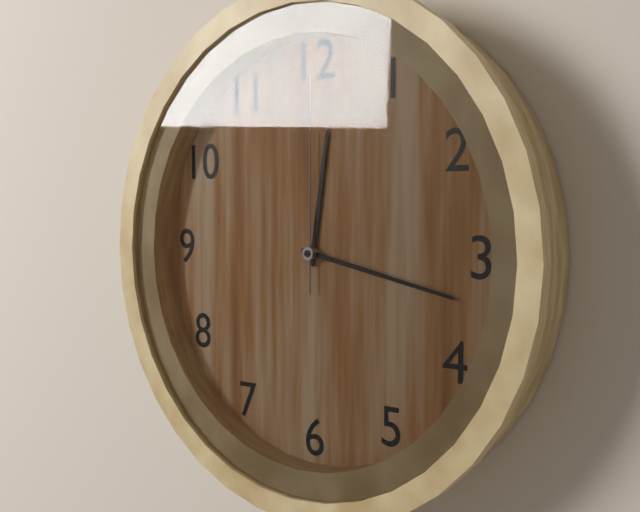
12.17.00
